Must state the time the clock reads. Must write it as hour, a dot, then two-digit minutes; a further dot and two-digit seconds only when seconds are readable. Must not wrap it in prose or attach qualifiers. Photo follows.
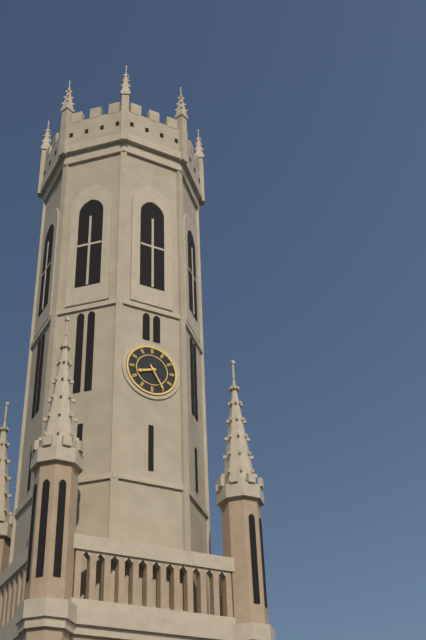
8.25
